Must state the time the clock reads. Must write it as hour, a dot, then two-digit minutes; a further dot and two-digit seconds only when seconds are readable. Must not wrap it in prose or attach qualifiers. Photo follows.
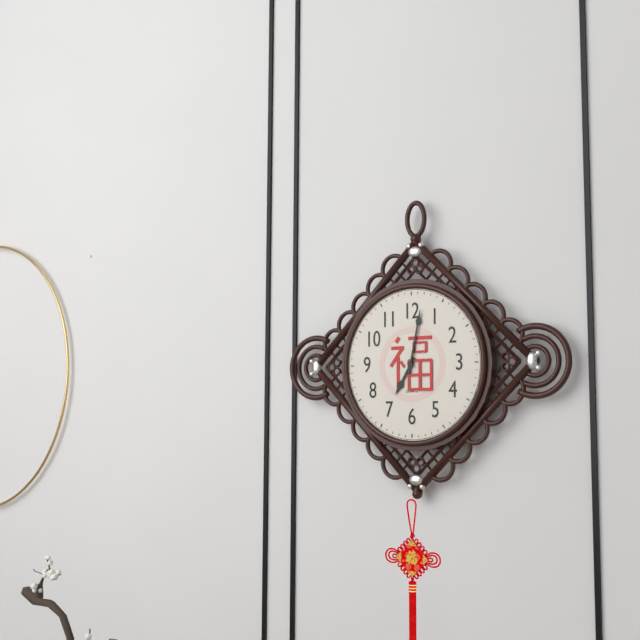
7.02
